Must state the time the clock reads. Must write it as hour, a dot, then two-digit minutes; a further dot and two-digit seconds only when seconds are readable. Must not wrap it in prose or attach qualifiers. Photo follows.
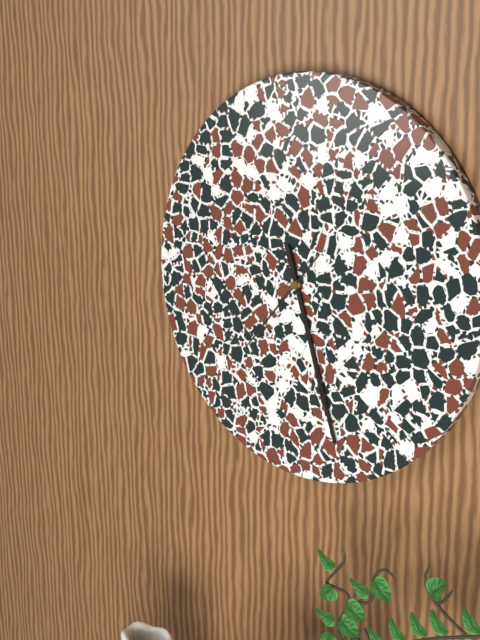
5.27.37
